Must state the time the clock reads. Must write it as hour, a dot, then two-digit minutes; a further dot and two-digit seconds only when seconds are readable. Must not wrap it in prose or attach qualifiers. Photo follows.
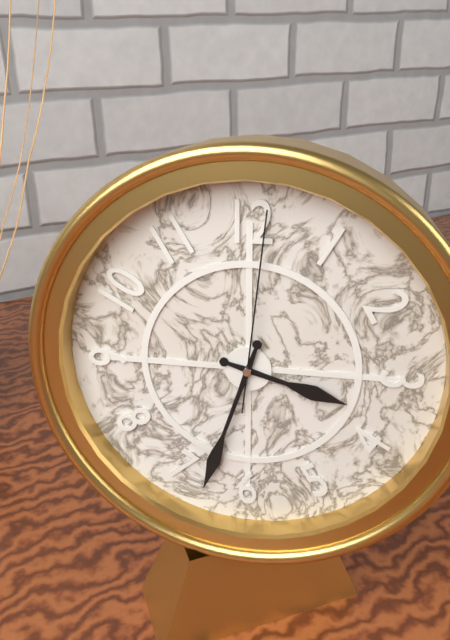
3.33.01
